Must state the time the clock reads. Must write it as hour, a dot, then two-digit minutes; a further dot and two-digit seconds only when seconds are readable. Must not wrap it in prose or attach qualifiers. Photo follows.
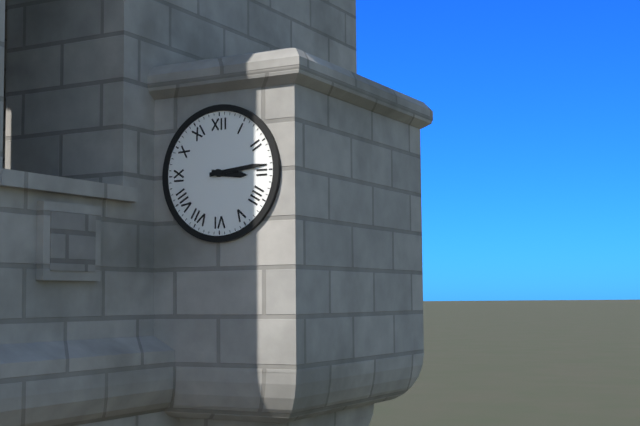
3.14
